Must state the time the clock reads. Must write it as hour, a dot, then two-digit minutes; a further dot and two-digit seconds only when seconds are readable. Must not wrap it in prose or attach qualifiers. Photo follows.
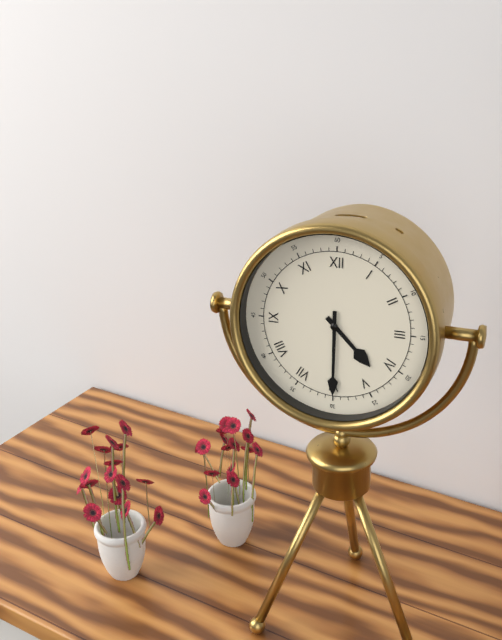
4.30
